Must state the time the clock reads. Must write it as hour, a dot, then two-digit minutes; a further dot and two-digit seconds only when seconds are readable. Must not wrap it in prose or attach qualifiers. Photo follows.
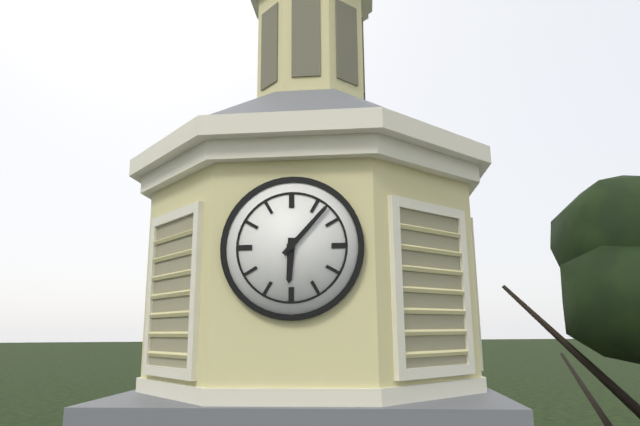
6.07
